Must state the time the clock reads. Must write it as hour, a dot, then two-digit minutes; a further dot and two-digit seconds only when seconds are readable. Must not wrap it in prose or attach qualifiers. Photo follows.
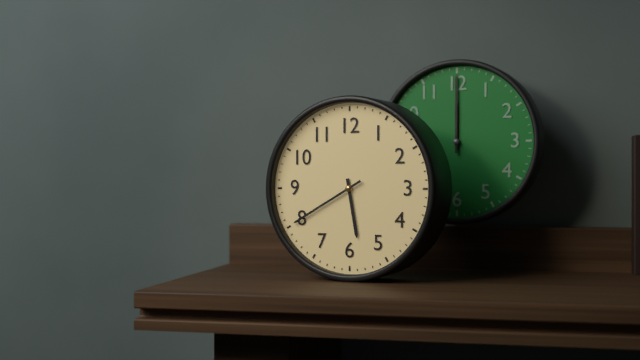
5.40
